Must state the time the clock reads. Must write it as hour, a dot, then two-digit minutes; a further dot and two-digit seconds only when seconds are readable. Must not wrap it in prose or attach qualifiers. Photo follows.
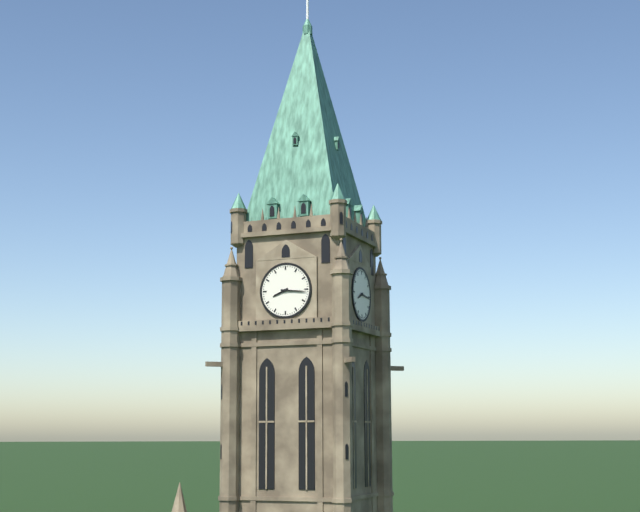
8.16
